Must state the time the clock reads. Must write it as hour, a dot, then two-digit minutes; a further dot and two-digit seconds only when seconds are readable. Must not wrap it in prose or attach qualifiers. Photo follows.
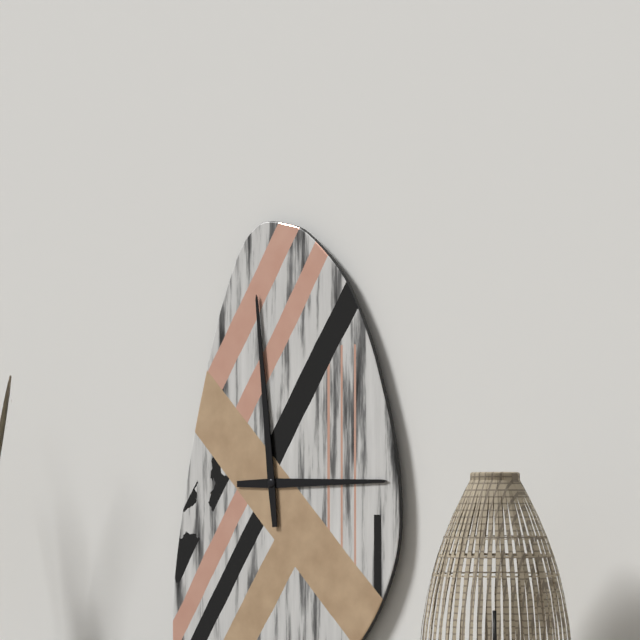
2.59
